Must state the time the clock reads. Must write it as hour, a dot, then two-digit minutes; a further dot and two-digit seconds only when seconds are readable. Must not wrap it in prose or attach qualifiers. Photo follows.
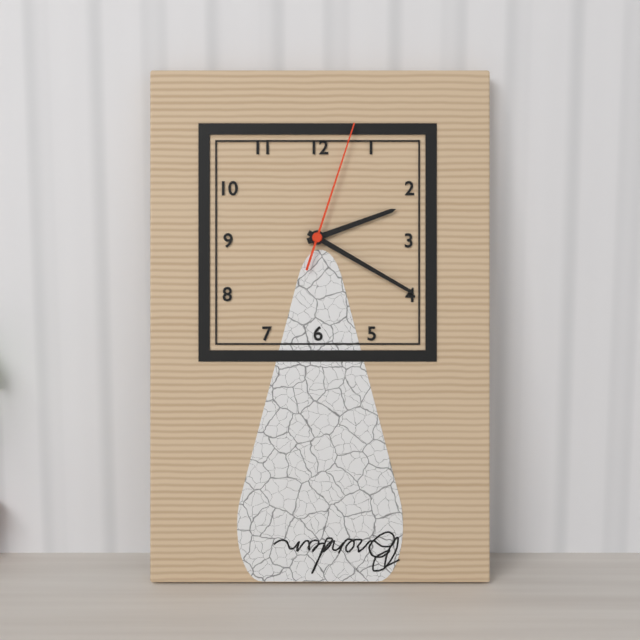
2.20.03
